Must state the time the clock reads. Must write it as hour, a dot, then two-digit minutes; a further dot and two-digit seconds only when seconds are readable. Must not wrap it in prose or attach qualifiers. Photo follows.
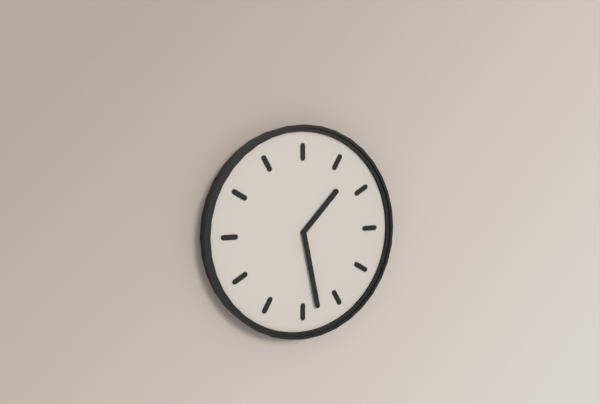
1.28
